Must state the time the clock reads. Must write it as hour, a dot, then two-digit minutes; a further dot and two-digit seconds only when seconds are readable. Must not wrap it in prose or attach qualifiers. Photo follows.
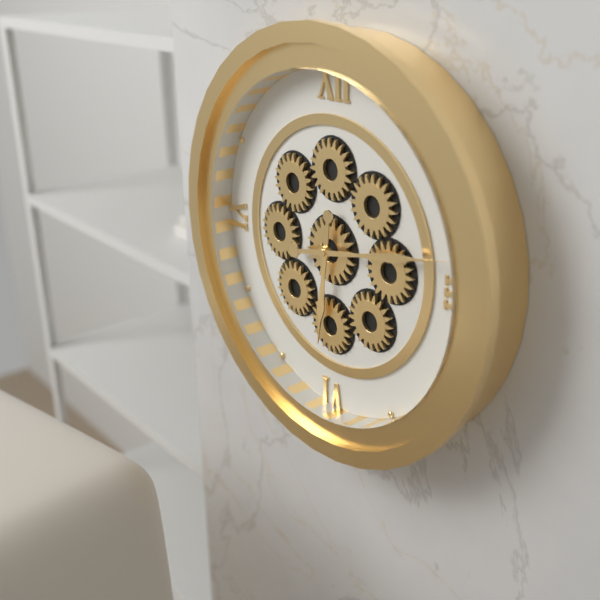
6.13
